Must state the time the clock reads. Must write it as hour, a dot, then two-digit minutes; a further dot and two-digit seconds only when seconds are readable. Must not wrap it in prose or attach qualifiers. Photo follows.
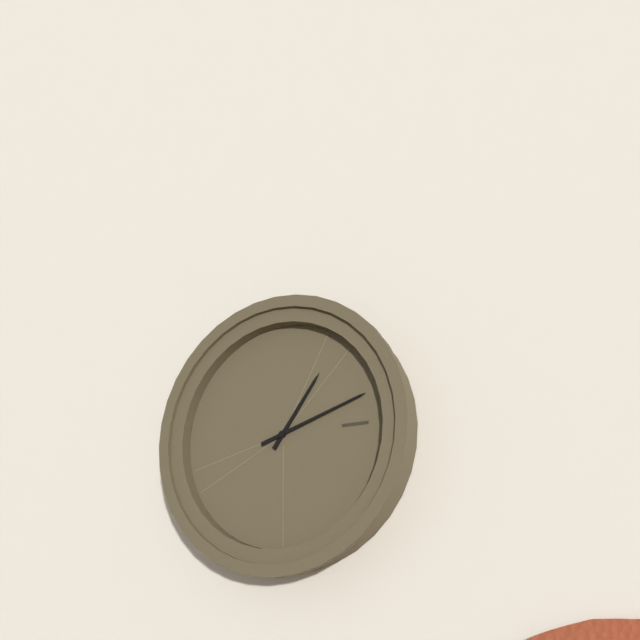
1.12
